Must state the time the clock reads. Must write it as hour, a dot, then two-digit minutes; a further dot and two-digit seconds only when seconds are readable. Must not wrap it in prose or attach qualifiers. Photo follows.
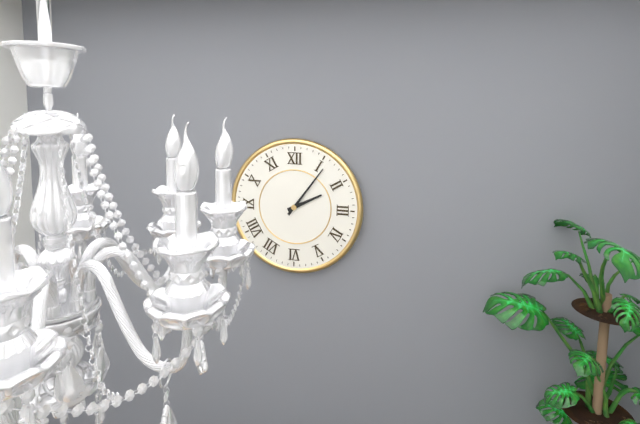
2.06
